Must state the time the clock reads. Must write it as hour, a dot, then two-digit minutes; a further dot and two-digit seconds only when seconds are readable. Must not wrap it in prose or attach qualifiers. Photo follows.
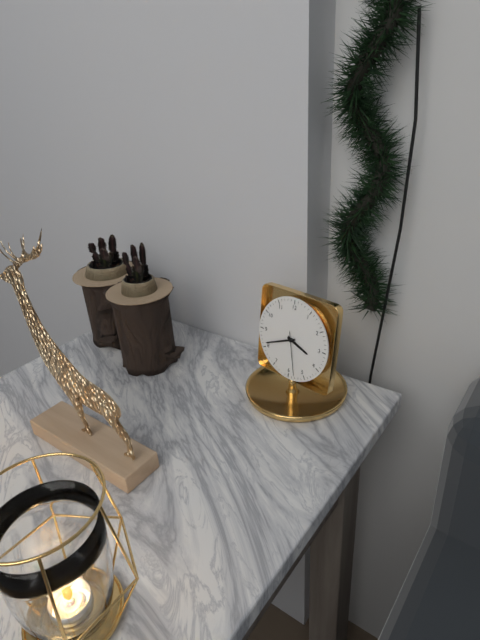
3.41
